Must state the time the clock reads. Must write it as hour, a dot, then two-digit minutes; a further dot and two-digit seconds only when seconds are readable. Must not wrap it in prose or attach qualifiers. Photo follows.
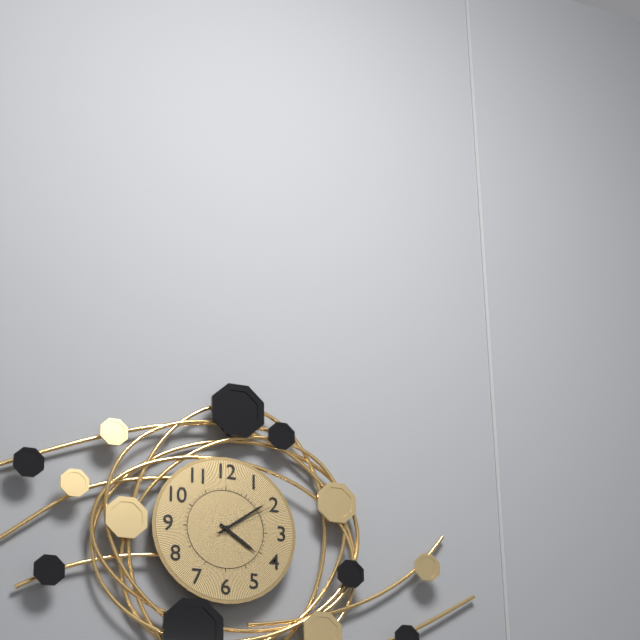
4.09.10
